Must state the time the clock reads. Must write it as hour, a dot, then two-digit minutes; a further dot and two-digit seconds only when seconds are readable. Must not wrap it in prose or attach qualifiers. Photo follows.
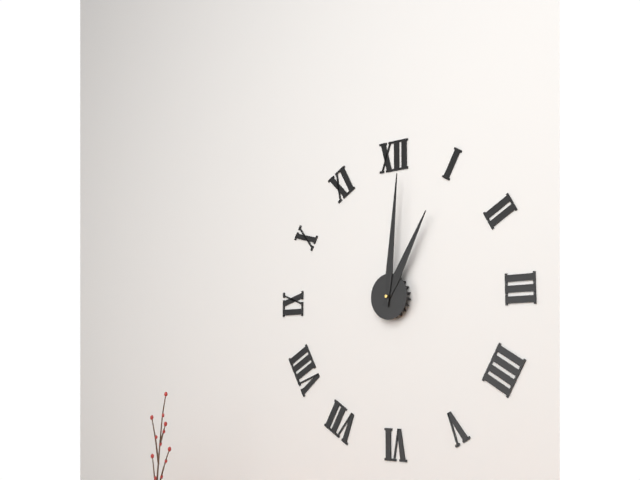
1.01
